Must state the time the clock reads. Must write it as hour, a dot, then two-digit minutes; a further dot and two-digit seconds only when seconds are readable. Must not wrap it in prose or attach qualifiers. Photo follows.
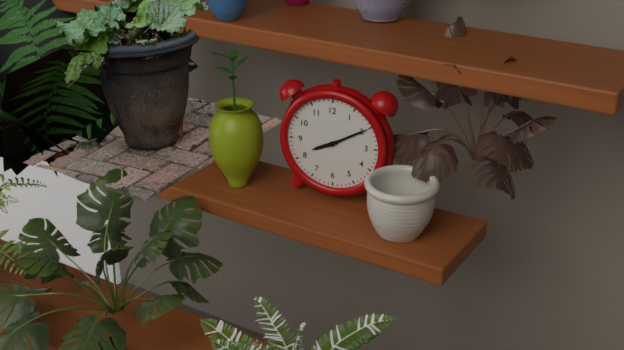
8.10
